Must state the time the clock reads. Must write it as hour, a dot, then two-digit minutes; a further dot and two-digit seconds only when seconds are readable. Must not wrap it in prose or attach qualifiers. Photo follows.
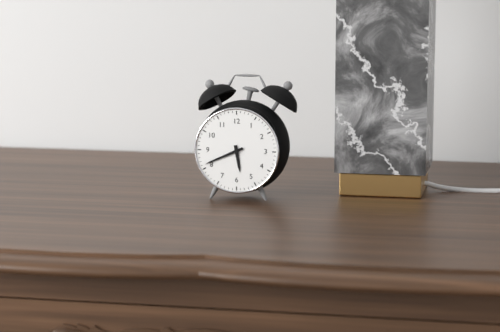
5.41
